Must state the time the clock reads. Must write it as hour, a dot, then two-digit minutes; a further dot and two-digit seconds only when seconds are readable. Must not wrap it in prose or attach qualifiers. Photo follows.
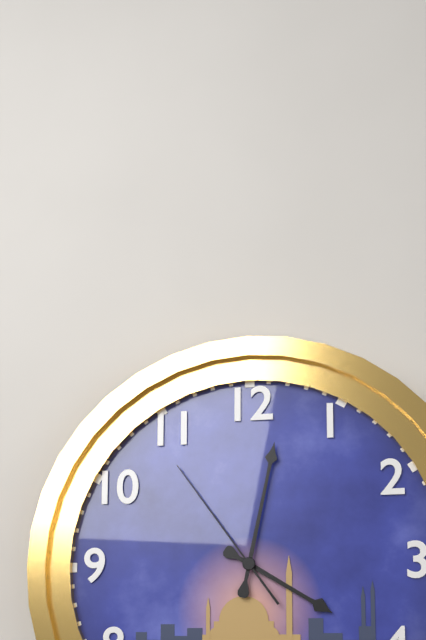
4.02.54
